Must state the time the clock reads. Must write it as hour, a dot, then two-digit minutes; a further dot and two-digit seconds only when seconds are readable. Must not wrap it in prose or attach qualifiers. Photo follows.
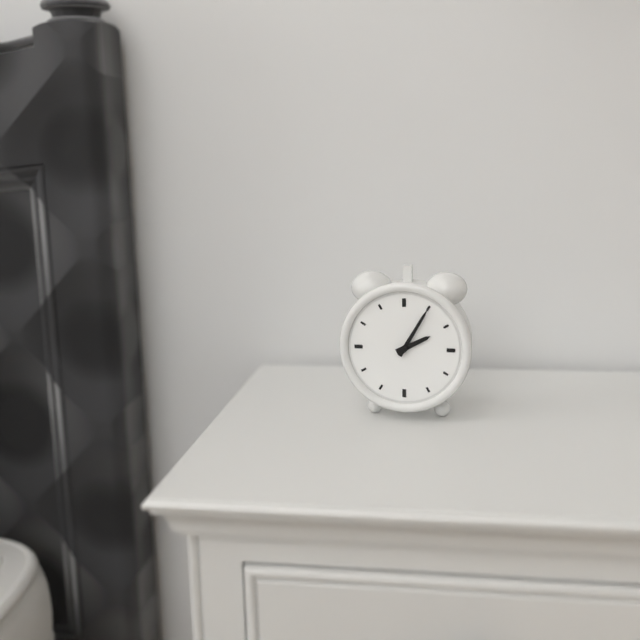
2.05
